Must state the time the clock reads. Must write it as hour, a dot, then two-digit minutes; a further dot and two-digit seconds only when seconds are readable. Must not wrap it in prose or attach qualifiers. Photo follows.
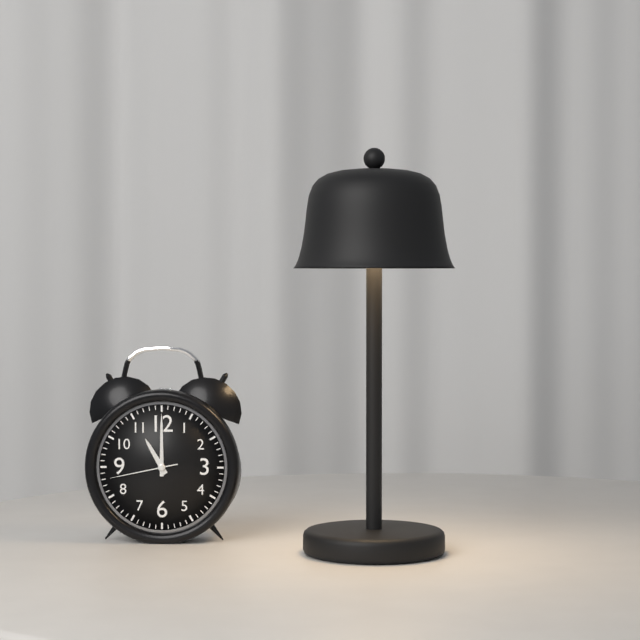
11.00.43
